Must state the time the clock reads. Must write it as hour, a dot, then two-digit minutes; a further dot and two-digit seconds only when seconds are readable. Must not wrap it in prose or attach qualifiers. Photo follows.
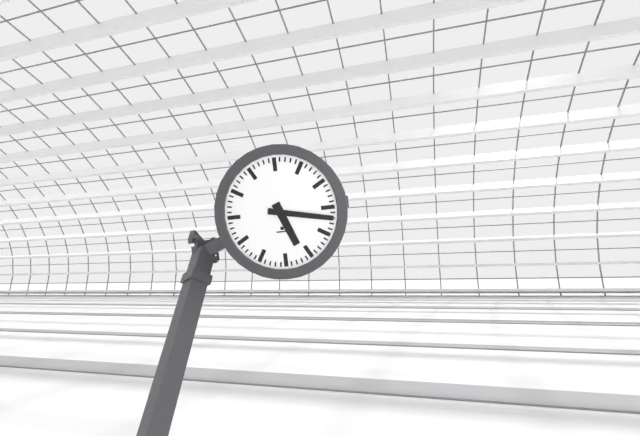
5.17
